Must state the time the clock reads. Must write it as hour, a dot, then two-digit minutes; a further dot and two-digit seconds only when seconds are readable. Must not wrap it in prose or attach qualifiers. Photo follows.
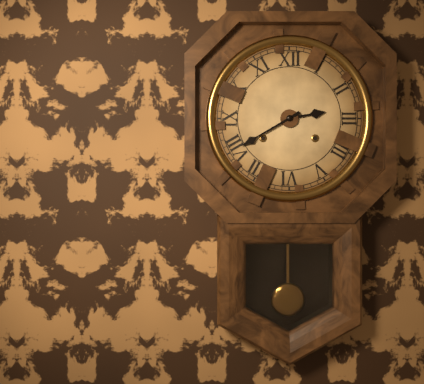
2.40
